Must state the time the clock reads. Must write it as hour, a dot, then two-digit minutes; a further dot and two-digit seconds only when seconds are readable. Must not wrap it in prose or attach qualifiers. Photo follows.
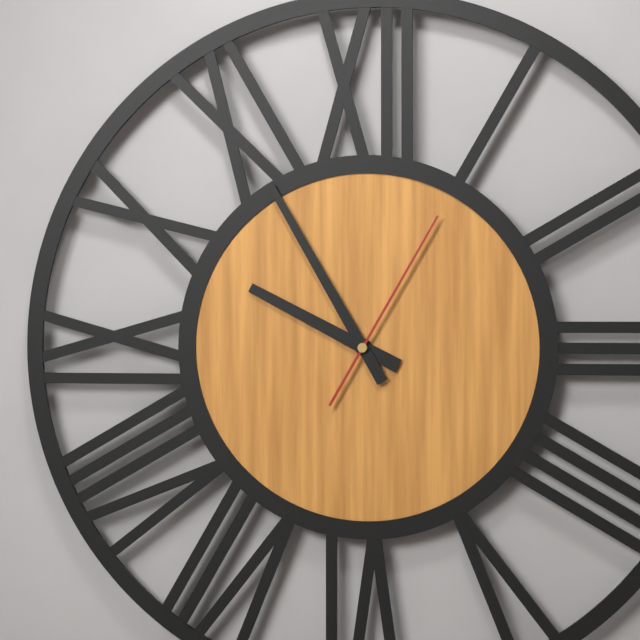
9.55.05
